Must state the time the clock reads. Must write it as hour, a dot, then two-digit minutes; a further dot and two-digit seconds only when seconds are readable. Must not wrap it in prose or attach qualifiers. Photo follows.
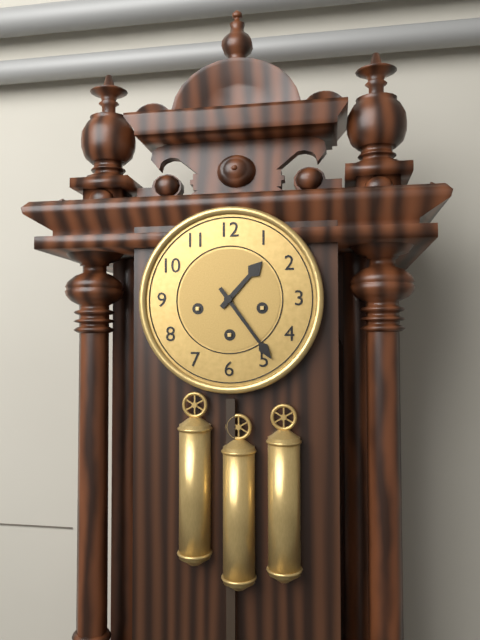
1.24
